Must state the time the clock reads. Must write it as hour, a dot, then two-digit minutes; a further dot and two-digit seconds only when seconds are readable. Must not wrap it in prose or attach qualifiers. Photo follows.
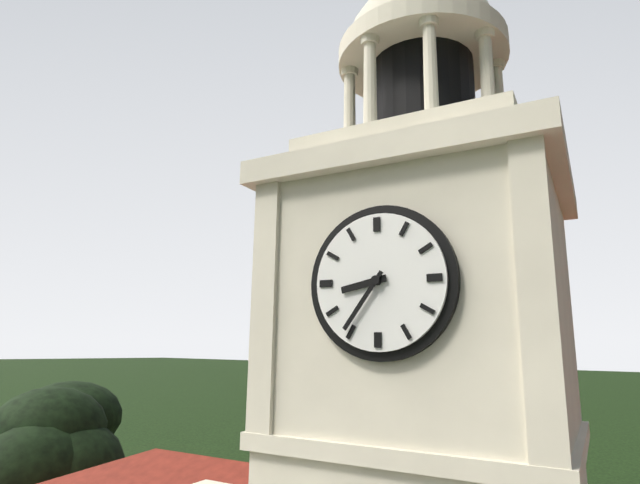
8.36
